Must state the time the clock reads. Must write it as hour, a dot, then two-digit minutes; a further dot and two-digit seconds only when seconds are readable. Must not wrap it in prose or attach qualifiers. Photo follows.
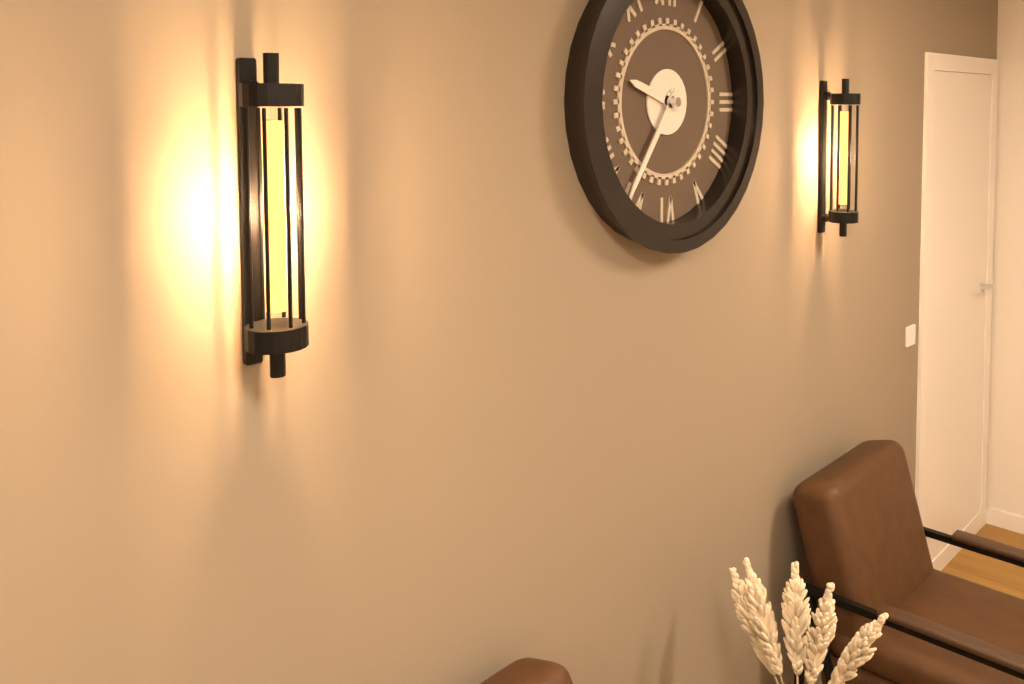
9.36
